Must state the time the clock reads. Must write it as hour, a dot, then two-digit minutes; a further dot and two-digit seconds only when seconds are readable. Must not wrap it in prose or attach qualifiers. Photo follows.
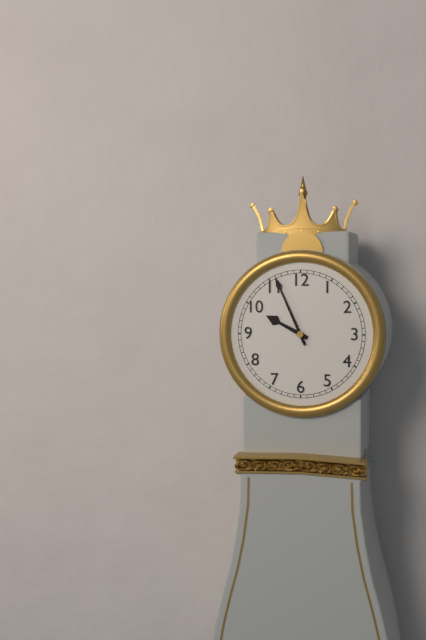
9.56
